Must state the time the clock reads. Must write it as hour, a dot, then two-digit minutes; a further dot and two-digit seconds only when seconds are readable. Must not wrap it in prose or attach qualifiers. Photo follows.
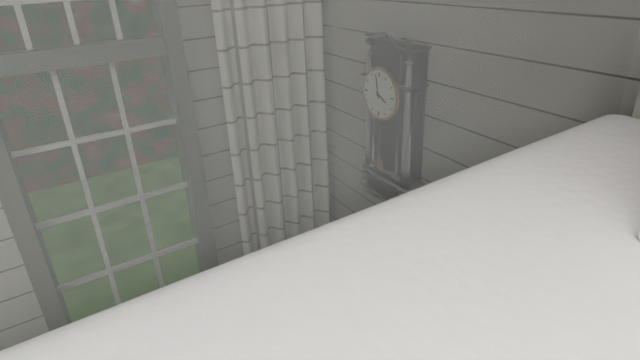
3.58
